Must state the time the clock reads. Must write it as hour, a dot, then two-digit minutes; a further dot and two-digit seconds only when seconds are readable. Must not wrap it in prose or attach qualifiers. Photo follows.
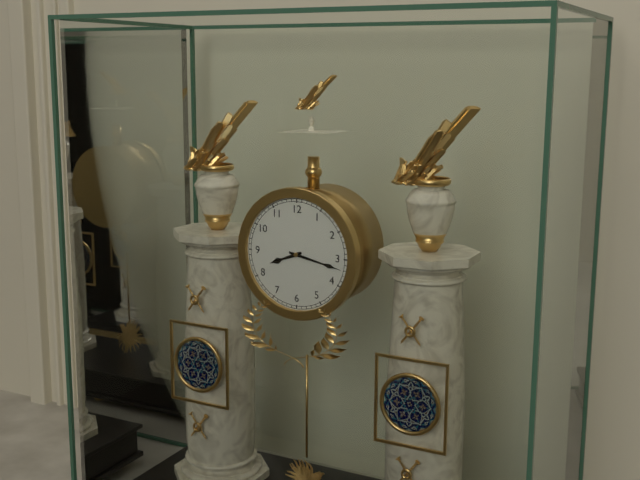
8.17
